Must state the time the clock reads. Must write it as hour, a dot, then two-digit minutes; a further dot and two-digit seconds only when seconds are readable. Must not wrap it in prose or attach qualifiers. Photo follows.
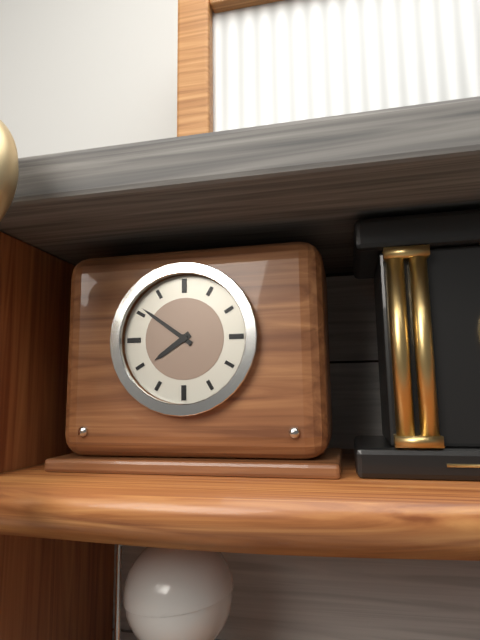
7.51
